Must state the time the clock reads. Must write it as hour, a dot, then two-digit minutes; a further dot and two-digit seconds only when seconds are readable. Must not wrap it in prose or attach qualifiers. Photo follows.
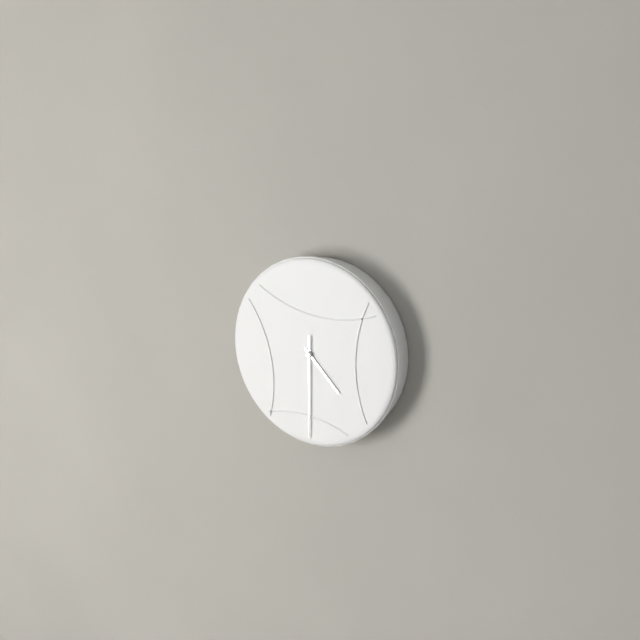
4.30
